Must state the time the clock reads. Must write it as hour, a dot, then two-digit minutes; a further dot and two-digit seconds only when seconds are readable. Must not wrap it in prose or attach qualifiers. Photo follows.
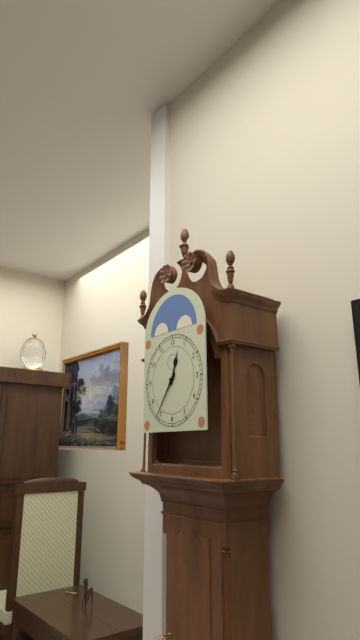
12.36
